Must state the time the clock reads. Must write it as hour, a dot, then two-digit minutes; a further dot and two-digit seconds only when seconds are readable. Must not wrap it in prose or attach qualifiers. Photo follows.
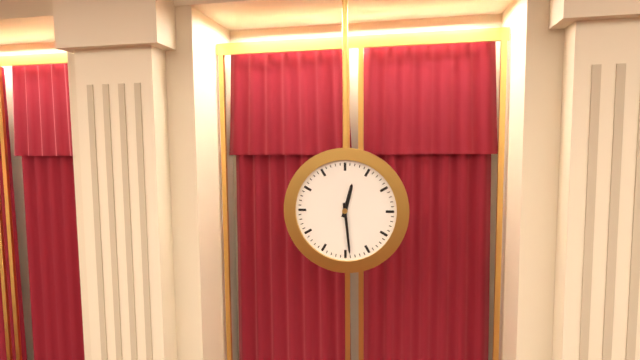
12.29
